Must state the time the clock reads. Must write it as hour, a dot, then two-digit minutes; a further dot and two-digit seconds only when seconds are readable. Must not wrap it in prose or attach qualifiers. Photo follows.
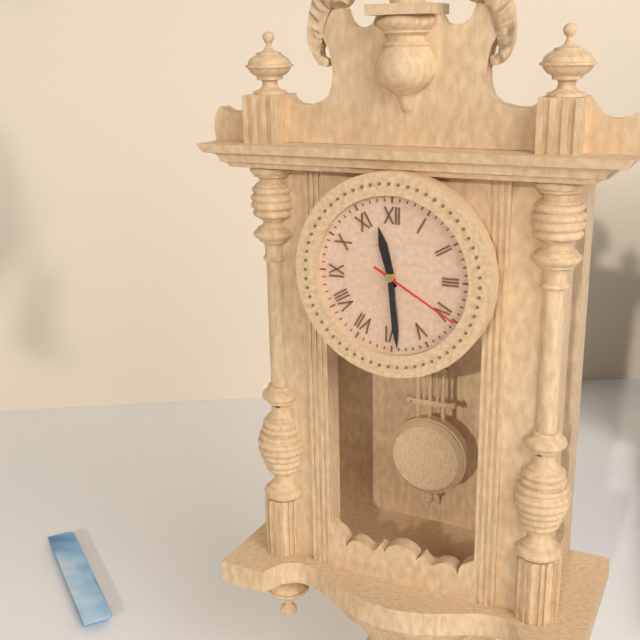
11.29.20
